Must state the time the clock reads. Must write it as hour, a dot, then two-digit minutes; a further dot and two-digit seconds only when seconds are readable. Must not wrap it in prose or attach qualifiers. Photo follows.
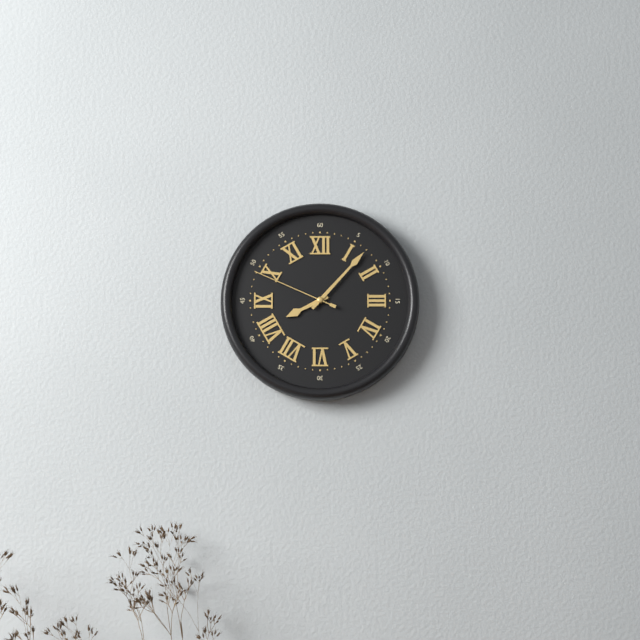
8.07.49
